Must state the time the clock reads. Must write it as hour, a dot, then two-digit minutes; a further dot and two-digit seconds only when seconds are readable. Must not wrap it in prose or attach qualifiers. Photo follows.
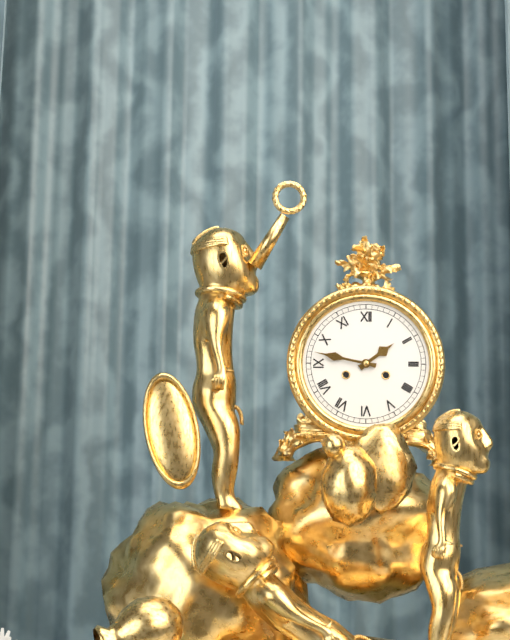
1.47
